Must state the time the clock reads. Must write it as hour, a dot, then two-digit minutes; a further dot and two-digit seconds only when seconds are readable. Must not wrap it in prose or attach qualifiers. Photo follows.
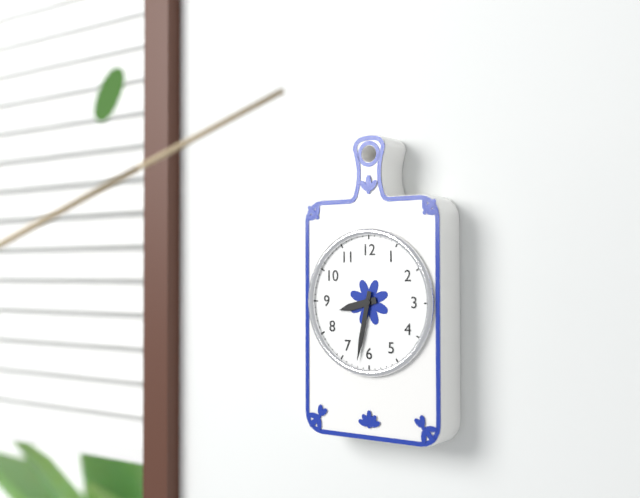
8.32
